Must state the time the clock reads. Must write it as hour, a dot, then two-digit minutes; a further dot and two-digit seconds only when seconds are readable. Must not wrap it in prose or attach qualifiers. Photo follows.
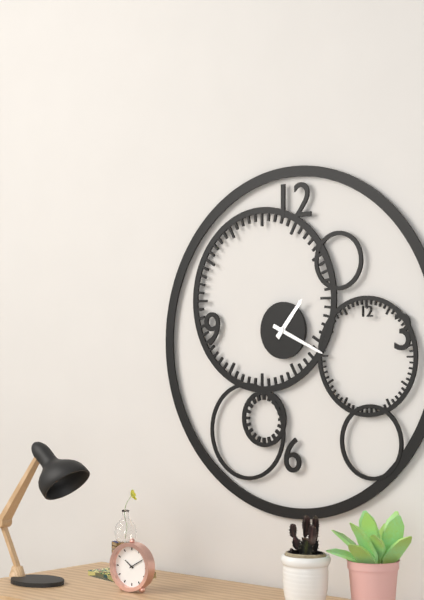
1.19
